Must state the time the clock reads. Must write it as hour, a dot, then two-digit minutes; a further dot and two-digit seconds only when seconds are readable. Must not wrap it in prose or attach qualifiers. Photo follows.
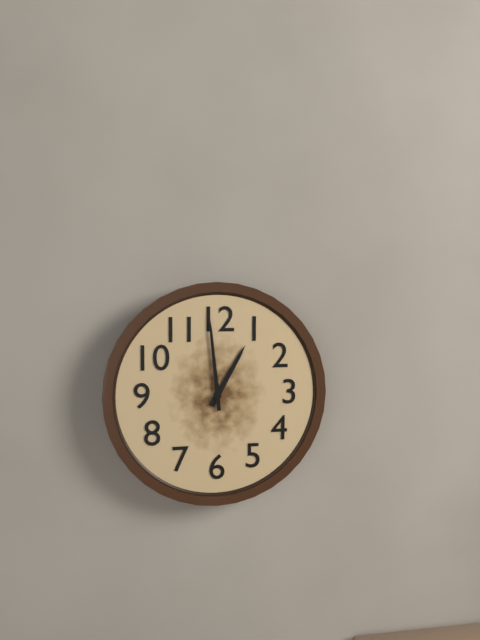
12.59
